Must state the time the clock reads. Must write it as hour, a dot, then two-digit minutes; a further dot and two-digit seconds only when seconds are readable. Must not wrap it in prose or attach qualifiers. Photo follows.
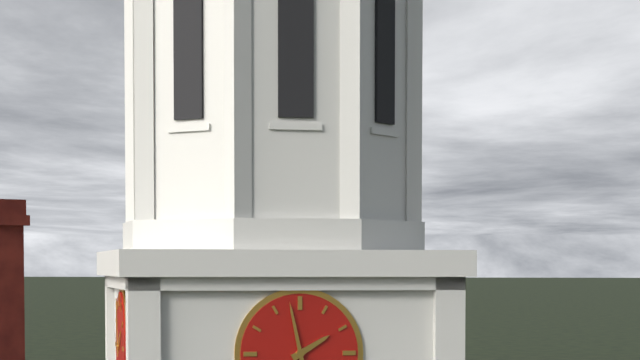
1.58
